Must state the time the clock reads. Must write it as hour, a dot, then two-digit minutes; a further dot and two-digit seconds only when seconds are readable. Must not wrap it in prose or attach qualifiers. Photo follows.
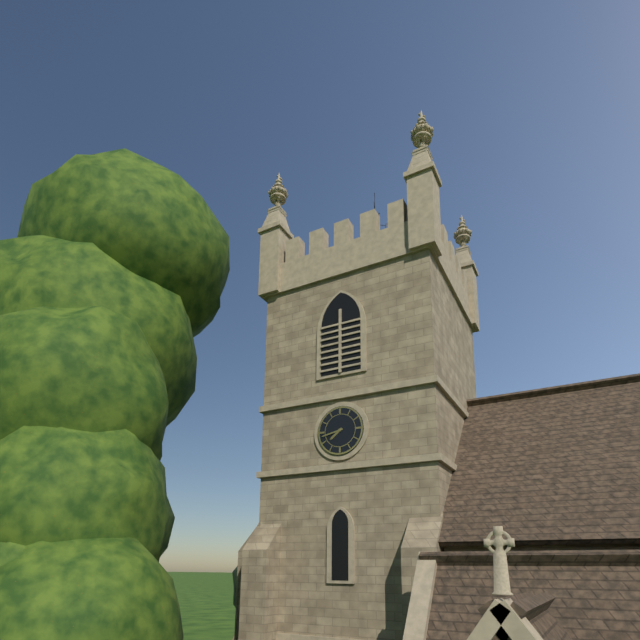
7.43
